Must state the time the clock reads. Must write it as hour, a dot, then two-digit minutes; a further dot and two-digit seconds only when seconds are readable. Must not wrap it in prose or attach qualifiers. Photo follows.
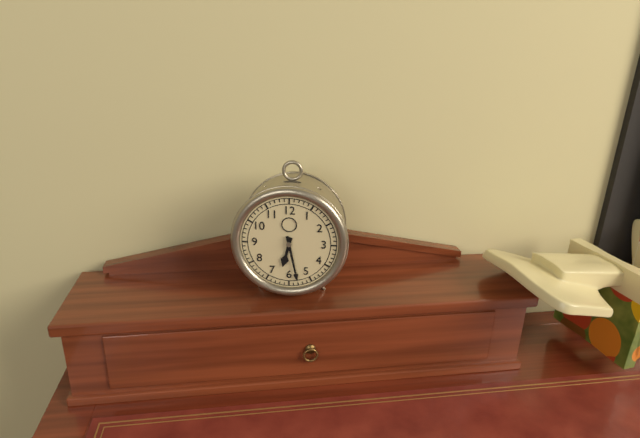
6.28
